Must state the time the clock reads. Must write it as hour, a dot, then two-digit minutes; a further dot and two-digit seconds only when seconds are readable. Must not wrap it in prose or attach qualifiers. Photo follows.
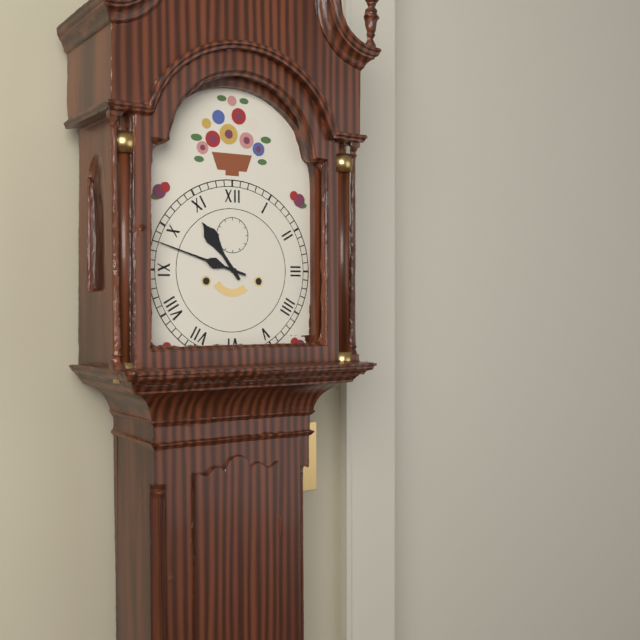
10.48
